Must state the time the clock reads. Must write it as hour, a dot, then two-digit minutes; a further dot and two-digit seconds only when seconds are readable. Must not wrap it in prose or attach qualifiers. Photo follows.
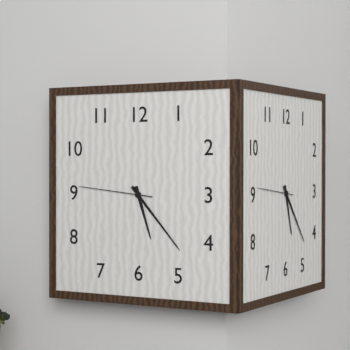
5.23.46
